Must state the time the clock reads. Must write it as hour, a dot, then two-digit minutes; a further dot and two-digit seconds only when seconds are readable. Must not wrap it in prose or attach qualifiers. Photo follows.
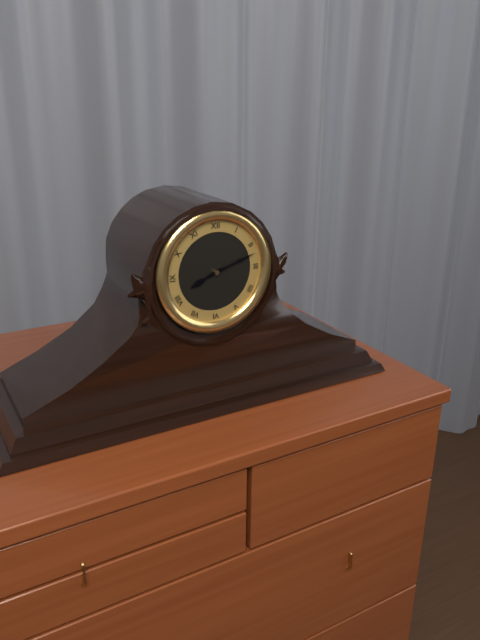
8.12
